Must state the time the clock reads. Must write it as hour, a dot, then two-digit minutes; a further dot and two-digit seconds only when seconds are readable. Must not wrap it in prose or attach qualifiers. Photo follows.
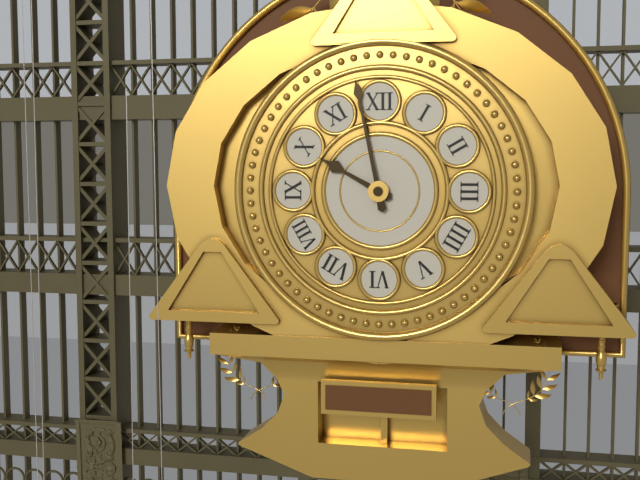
9.58
